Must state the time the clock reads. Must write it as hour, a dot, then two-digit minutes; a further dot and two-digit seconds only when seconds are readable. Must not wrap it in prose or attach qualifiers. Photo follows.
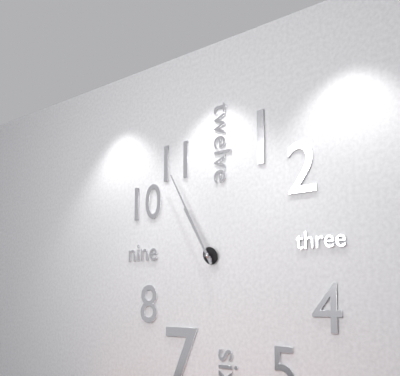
10.55
